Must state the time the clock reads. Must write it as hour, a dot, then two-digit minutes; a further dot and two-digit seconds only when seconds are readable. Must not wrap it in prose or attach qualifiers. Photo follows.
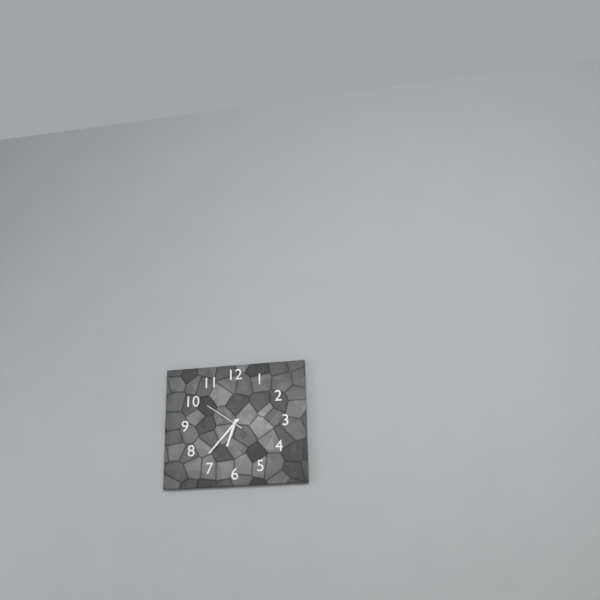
6.37
